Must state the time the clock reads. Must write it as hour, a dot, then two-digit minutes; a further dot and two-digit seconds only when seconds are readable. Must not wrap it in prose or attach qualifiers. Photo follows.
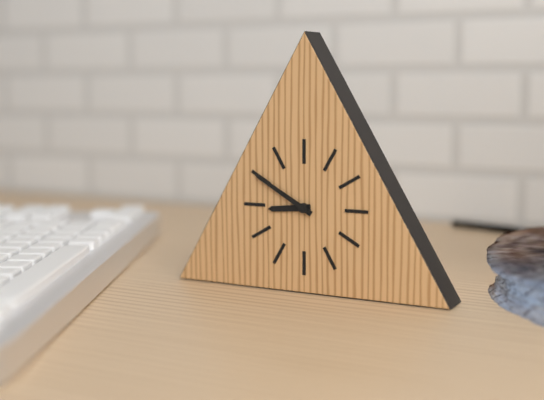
8.50
